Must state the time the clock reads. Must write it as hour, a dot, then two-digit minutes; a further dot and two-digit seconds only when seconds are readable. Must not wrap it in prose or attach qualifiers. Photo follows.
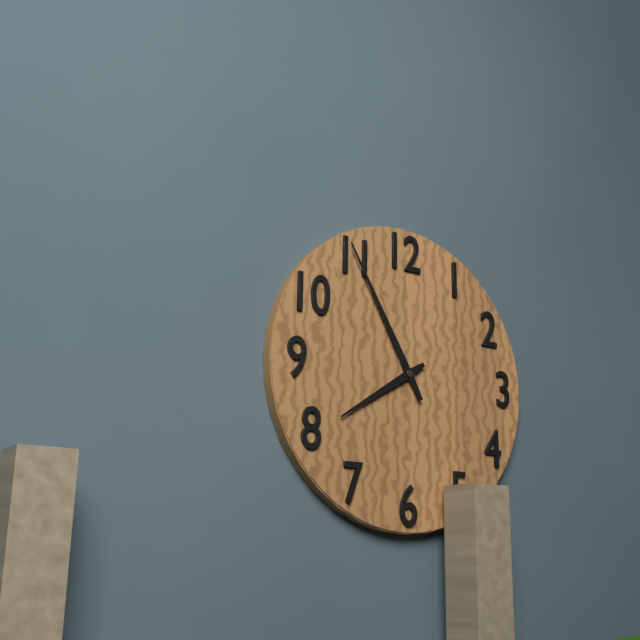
7.55
